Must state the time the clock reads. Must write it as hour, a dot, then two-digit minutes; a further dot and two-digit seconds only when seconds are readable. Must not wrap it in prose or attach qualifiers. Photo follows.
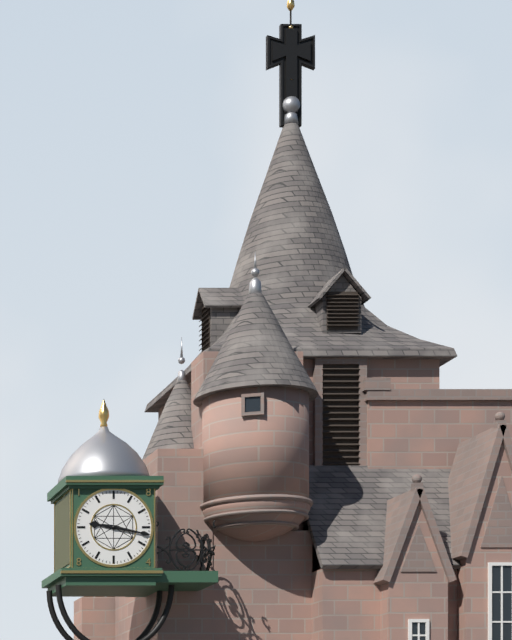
9.17
